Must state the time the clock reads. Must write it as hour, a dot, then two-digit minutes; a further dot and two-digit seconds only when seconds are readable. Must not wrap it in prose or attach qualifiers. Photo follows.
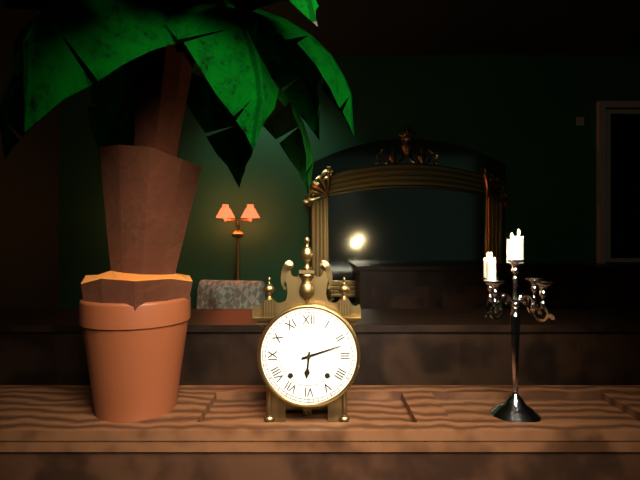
6.12
